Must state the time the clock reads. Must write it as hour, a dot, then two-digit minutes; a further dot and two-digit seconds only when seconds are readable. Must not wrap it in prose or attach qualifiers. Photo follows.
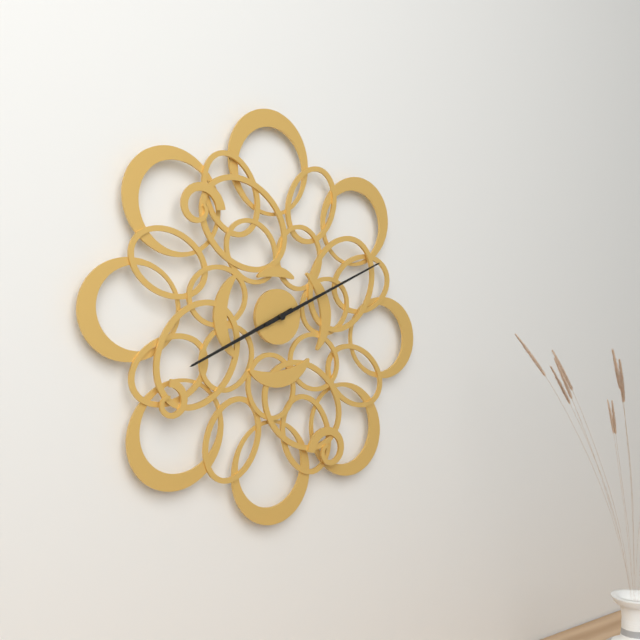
8.11
